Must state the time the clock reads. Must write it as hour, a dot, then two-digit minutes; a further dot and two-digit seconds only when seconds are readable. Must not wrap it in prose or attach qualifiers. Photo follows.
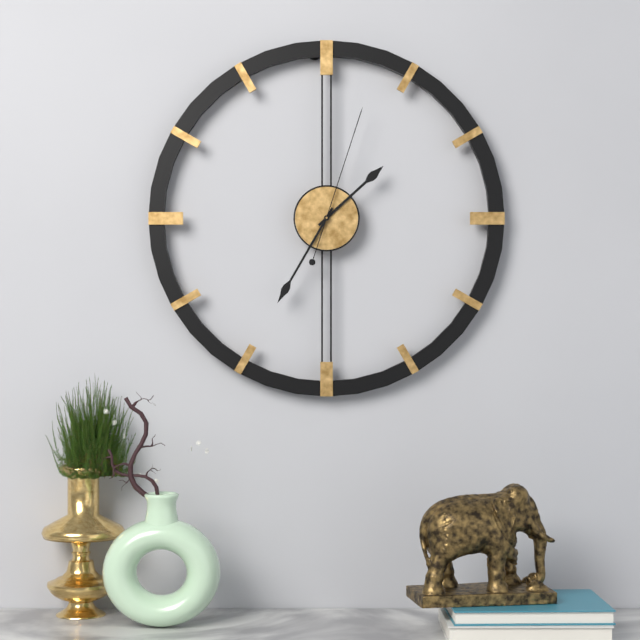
1.35.03
